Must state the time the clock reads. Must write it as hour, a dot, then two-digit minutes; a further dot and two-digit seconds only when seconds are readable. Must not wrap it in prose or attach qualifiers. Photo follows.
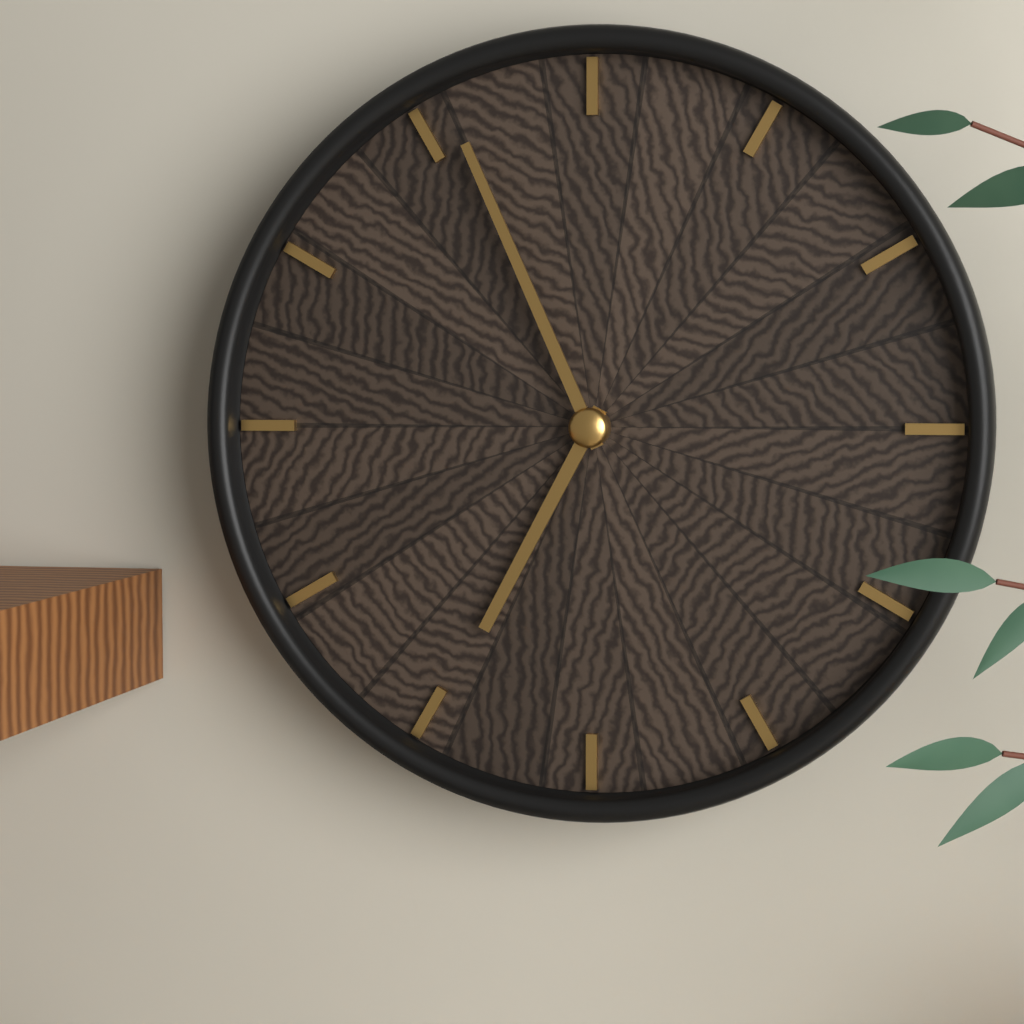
6.56
